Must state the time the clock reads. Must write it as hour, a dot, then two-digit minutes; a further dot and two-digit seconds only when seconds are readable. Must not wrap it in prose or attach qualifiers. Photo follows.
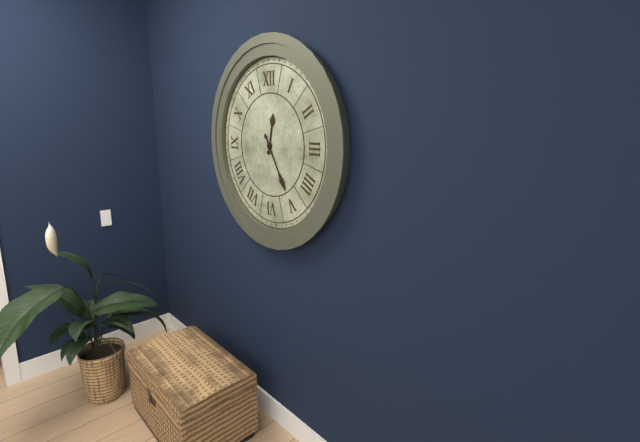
12.25
